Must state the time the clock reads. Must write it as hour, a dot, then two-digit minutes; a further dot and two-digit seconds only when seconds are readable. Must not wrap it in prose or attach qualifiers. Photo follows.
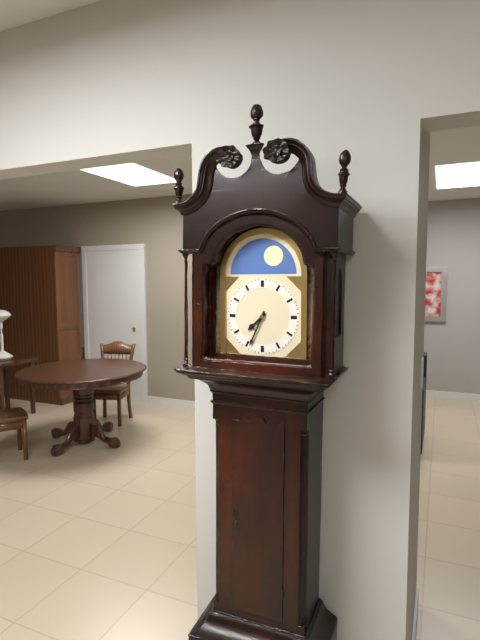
7.34
